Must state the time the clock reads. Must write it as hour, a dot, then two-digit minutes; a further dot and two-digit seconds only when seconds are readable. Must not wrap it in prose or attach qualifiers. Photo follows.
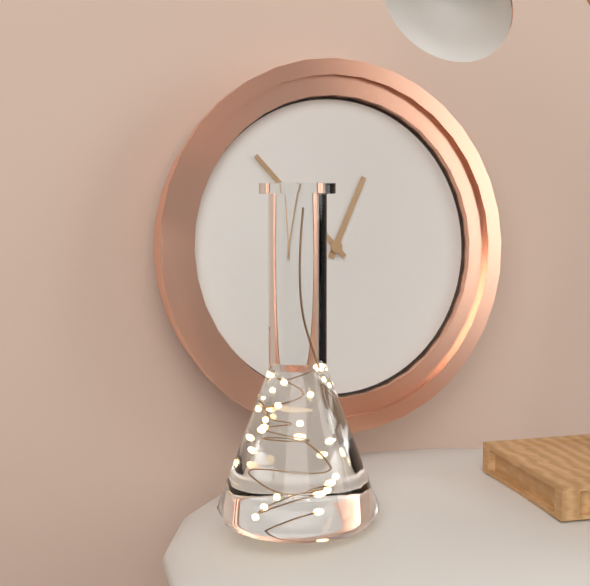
12.53
